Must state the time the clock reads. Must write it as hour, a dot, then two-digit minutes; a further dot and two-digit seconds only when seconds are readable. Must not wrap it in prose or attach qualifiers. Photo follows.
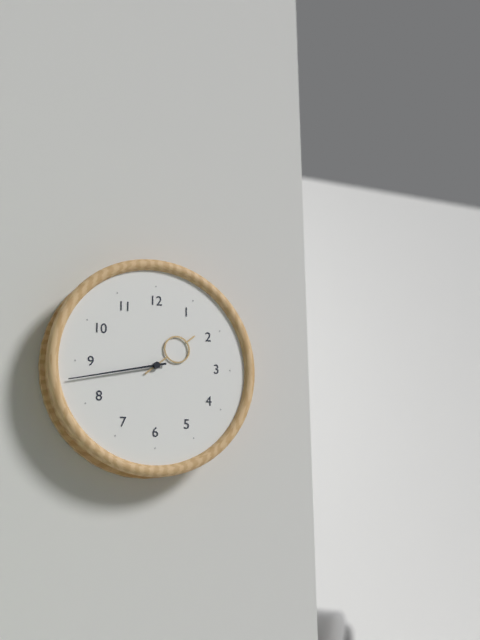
1.43
